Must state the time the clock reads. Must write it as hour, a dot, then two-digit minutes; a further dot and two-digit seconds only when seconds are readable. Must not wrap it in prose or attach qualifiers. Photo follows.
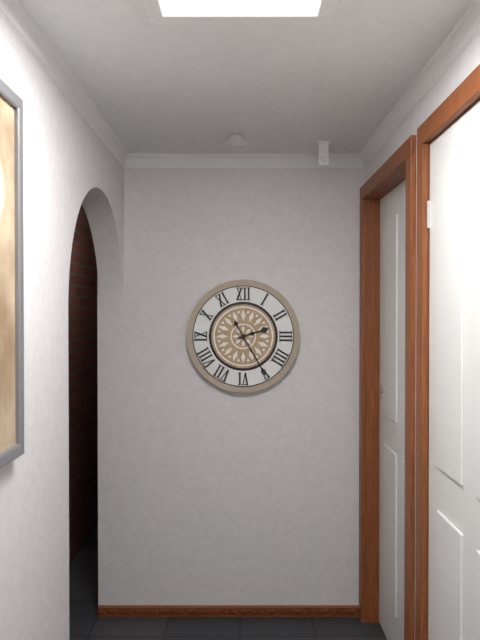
2.25
